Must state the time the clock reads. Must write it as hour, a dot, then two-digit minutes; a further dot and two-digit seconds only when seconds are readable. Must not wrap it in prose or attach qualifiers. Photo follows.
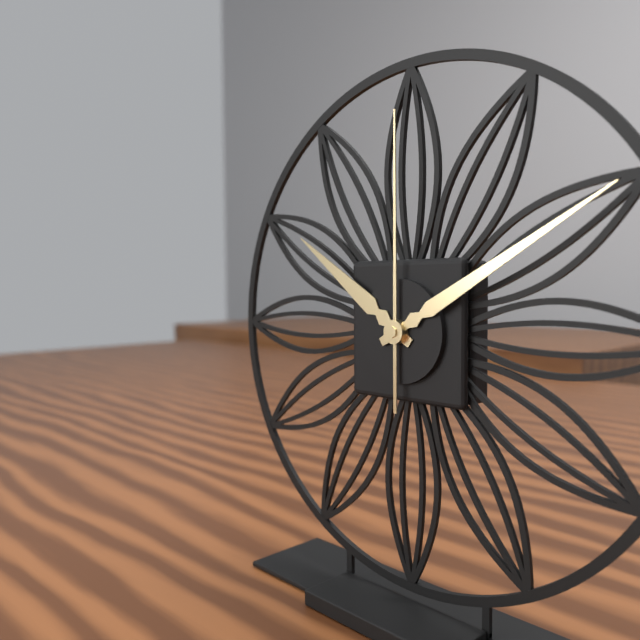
10.10.00
